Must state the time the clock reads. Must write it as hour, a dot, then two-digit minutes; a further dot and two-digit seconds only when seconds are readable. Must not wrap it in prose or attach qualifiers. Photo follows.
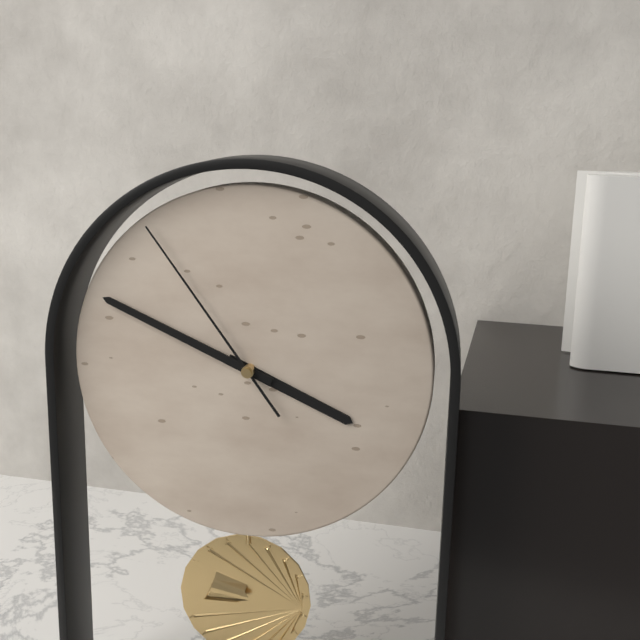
3.49.54
